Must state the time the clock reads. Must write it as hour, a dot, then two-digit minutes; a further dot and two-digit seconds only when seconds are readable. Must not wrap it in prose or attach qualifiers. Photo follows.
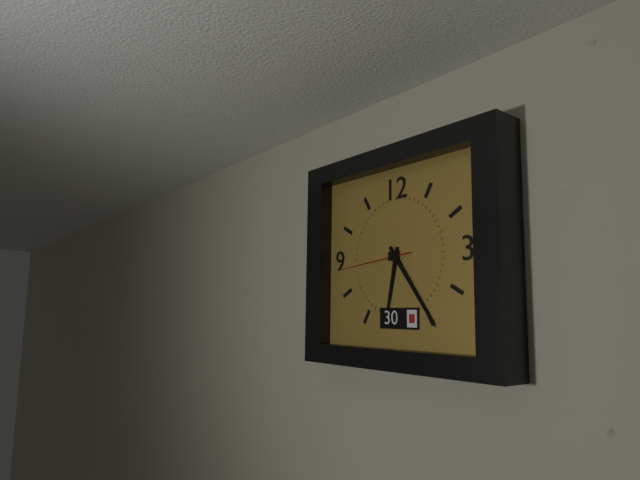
6.24.44
